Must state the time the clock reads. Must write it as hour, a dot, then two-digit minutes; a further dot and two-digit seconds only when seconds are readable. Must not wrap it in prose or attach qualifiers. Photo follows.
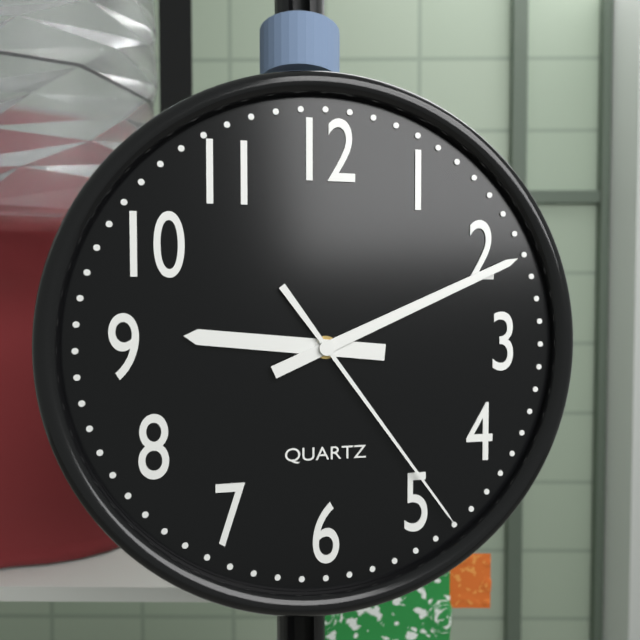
9.11.24
